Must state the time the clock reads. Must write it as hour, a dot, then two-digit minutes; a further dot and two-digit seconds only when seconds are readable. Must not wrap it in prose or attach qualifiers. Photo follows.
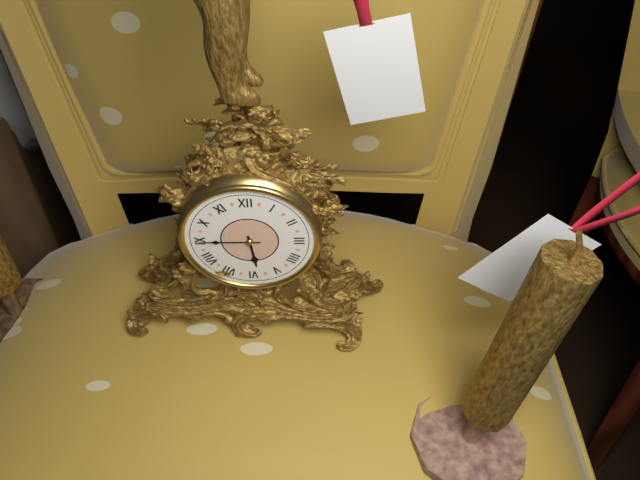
5.45
